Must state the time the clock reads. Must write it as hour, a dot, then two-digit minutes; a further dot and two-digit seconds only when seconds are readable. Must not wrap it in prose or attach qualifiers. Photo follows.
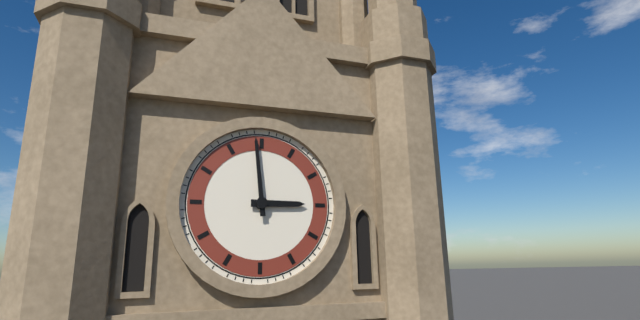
2.59
